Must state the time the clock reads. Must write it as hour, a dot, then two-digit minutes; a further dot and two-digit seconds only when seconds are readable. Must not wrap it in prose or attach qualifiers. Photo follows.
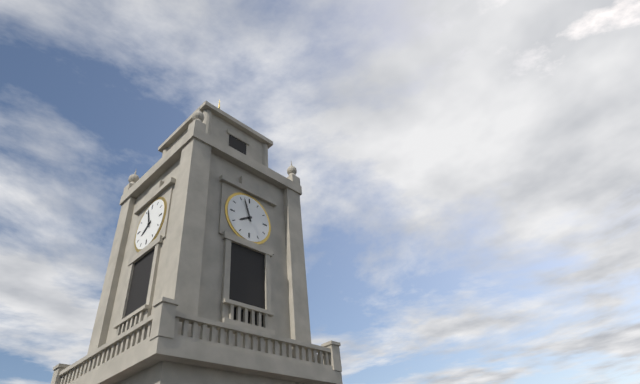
7.57
